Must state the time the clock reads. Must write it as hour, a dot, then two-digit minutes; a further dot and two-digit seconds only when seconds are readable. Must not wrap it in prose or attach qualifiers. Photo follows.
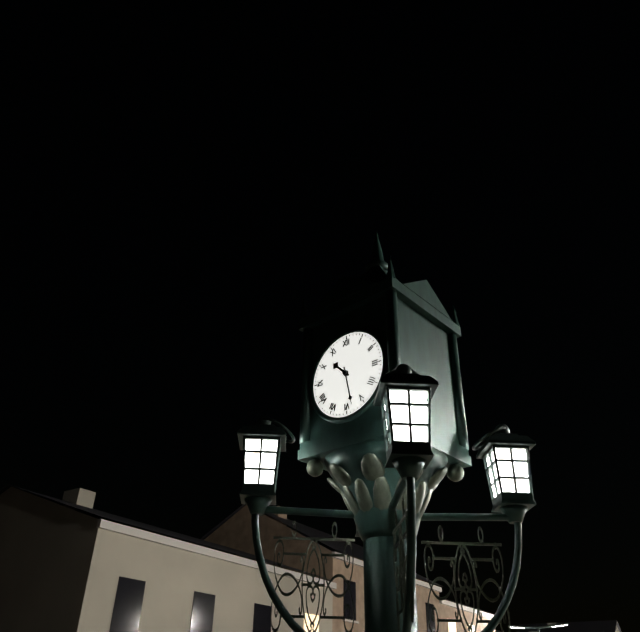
10.28
